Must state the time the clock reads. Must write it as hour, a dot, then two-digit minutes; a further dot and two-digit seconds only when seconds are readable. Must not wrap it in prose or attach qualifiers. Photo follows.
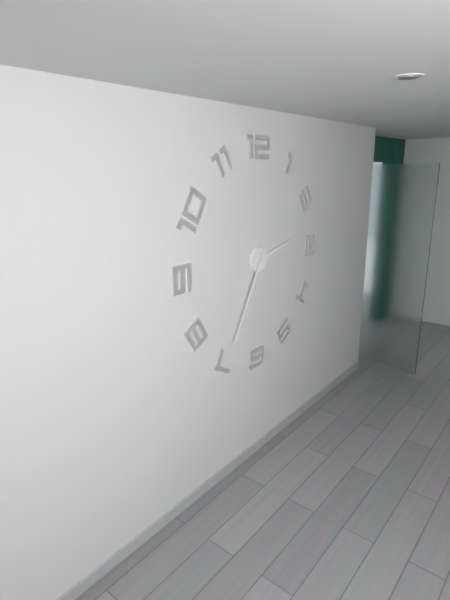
2.35
